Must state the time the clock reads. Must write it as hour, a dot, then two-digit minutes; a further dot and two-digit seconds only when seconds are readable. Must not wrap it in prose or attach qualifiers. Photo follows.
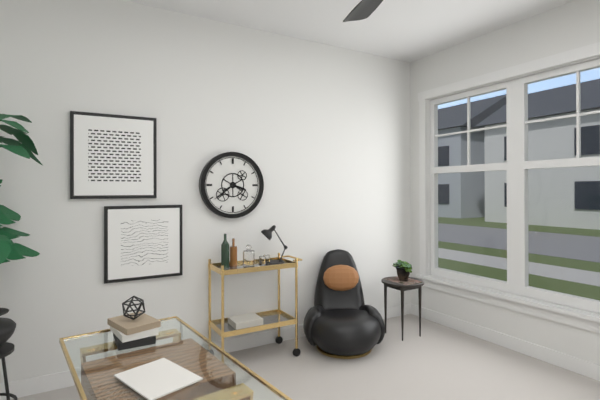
3.39
